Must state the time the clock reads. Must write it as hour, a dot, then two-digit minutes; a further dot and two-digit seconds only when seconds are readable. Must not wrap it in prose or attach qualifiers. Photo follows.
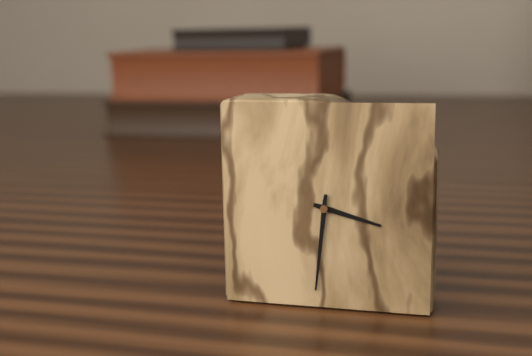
3.31
